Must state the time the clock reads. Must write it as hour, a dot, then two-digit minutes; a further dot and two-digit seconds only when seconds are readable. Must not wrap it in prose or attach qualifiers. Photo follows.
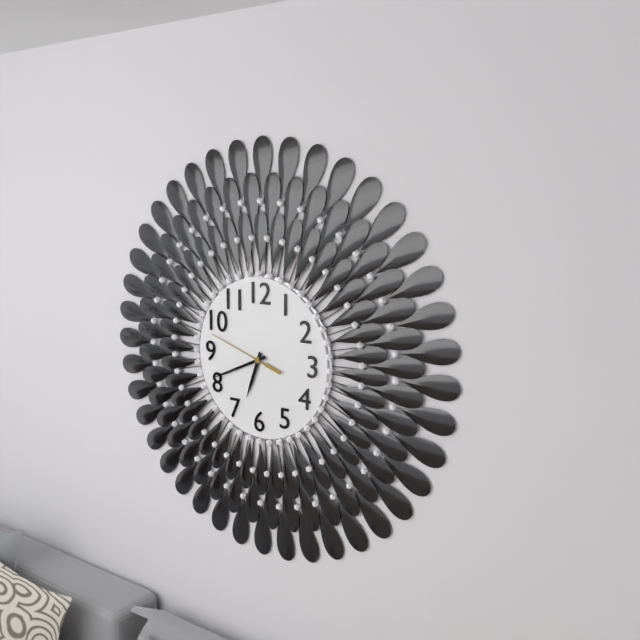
6.41.48
